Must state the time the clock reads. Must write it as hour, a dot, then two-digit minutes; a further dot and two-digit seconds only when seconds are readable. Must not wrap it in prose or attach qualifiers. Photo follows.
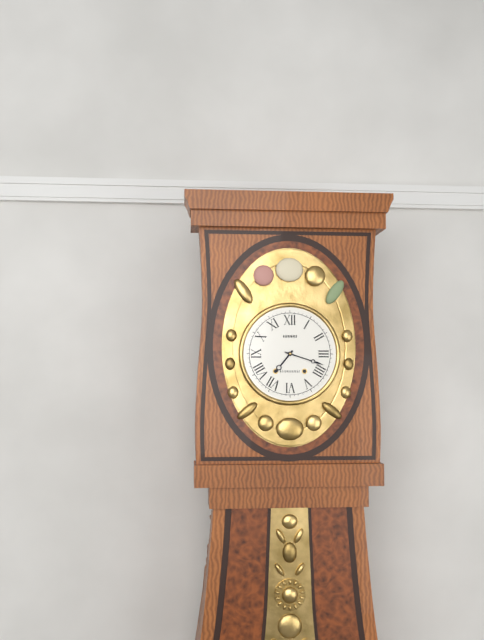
7.18
